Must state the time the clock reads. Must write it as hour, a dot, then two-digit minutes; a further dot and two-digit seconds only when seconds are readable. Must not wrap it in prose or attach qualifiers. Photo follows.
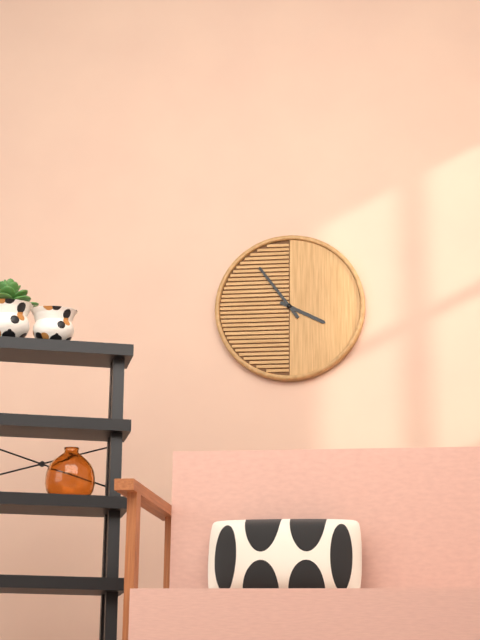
3.54
